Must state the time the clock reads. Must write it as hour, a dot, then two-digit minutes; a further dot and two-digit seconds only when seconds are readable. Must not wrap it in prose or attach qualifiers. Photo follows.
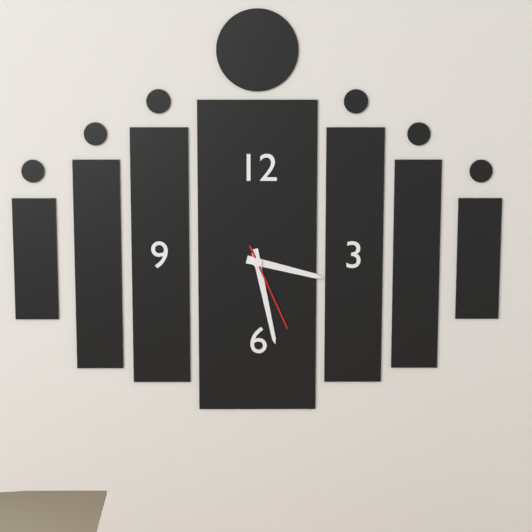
3.28.26
